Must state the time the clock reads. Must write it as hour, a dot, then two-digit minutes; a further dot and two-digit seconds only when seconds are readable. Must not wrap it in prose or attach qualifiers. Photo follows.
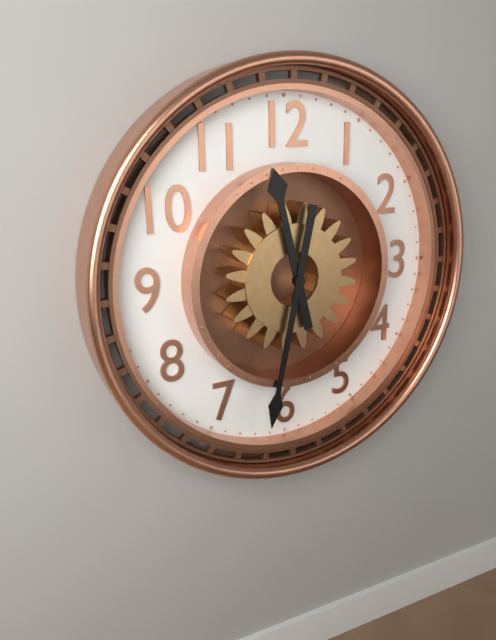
11.32
